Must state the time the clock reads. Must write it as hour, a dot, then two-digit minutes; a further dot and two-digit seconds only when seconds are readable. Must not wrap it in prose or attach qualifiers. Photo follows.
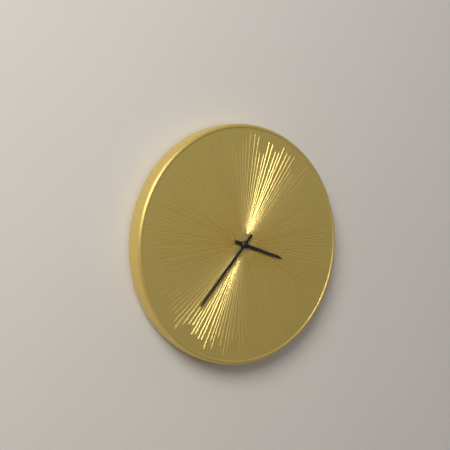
3.37
